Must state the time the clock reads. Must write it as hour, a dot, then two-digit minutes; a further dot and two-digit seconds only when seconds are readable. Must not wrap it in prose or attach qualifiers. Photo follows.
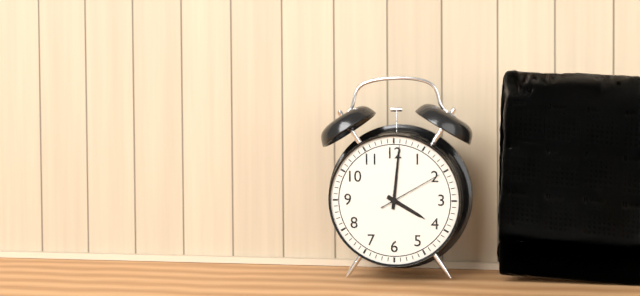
4.01.10
